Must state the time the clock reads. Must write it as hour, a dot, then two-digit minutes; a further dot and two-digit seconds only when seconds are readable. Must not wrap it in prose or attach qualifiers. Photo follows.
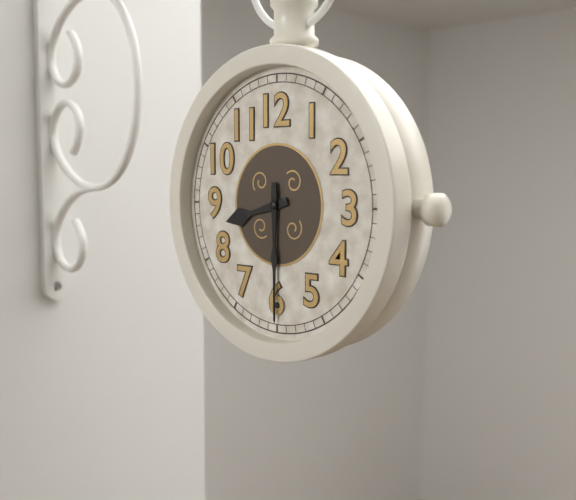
8.30
